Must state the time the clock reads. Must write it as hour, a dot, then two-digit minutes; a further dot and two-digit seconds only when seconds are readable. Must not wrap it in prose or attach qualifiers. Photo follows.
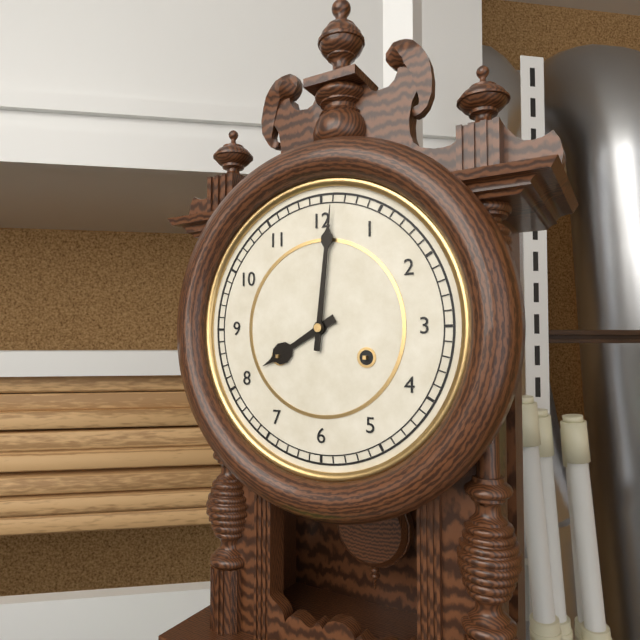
8.01
